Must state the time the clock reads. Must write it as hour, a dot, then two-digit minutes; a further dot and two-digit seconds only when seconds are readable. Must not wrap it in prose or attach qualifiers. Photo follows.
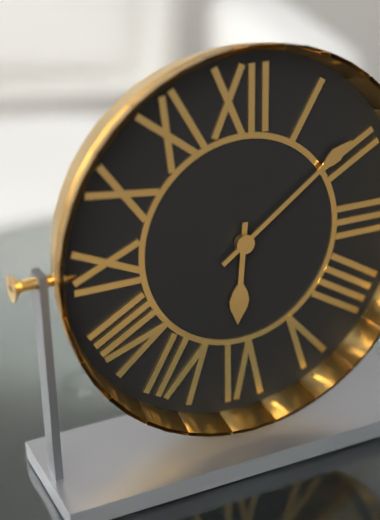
6.09
